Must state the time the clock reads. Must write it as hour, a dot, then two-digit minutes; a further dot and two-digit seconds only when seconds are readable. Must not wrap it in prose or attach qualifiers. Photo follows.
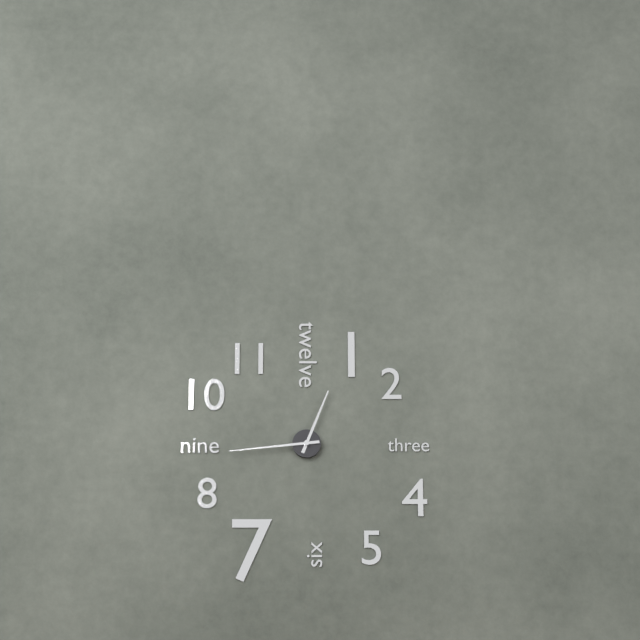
12.44
